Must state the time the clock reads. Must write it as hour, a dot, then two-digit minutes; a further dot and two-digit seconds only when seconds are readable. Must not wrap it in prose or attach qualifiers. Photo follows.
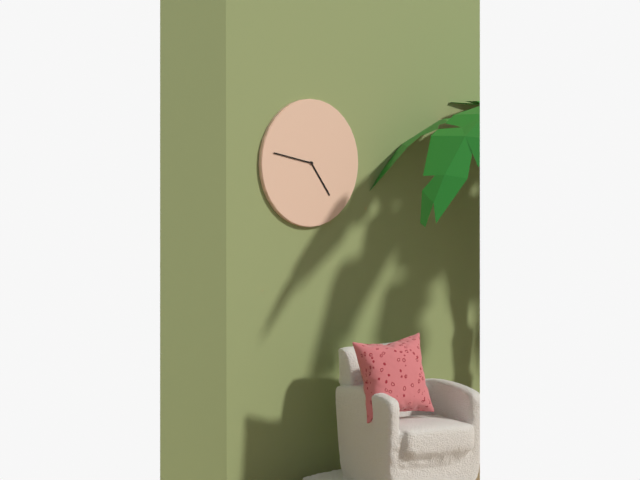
4.47
